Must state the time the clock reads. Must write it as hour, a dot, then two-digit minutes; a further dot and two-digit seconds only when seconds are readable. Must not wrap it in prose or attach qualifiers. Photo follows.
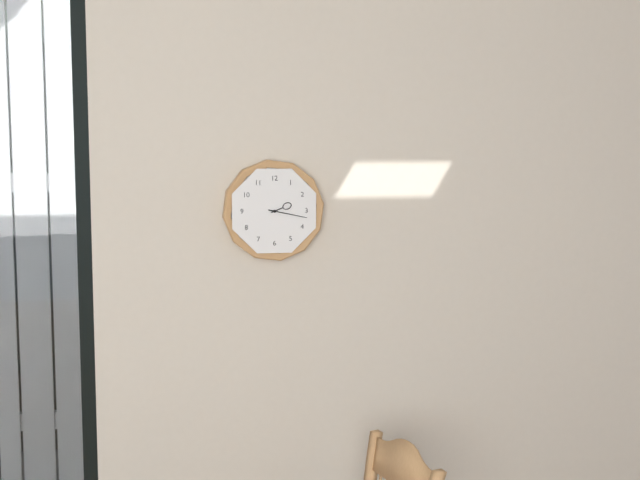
2.17
